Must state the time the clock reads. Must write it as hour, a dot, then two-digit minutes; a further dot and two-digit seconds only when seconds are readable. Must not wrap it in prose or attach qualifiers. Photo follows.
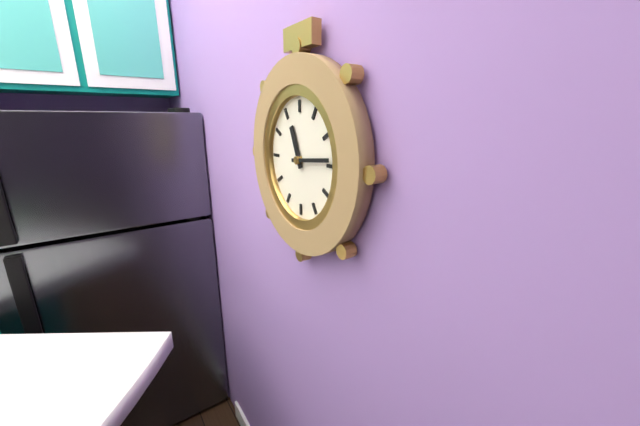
11.14
